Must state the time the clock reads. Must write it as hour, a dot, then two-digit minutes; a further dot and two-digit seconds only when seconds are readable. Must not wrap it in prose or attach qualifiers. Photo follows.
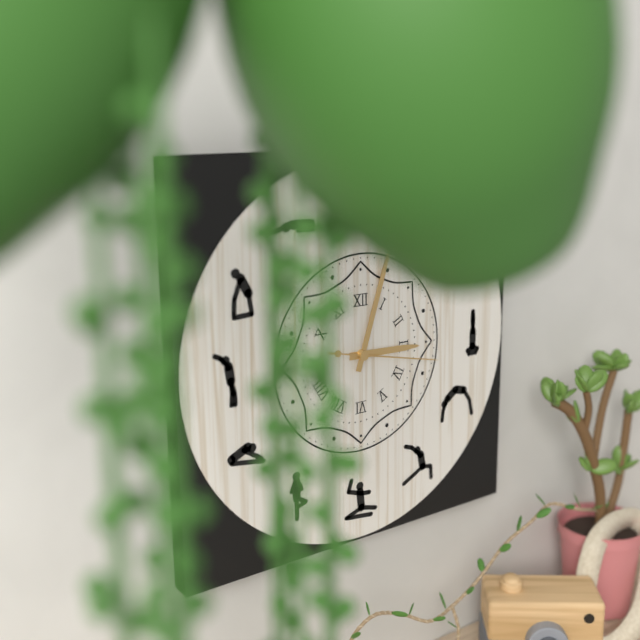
3.03.17
